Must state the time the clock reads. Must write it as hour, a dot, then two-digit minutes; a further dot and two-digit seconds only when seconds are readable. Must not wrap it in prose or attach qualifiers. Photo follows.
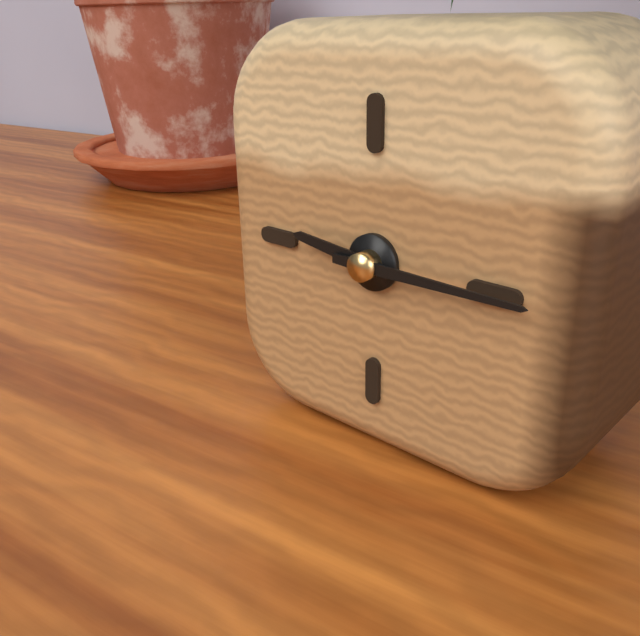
9.15
